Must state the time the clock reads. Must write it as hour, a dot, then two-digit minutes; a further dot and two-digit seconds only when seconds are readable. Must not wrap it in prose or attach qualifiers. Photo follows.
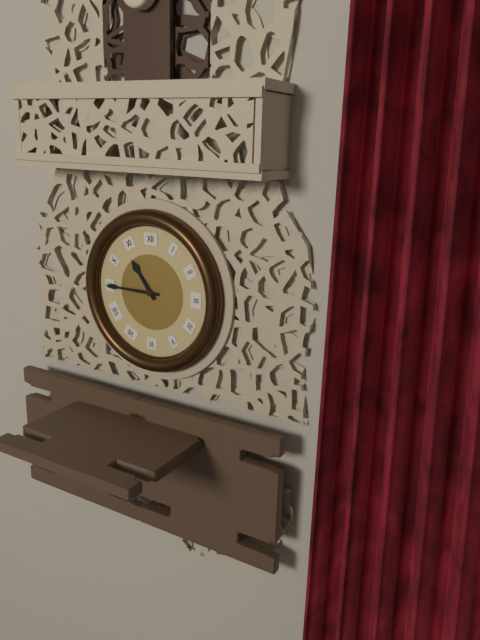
10.45
